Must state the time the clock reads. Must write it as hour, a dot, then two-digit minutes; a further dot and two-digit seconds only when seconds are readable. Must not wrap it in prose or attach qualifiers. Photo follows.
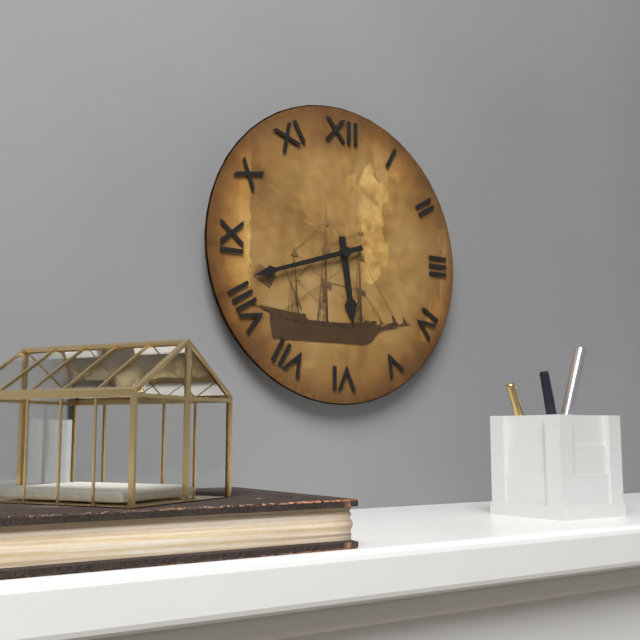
5.42
